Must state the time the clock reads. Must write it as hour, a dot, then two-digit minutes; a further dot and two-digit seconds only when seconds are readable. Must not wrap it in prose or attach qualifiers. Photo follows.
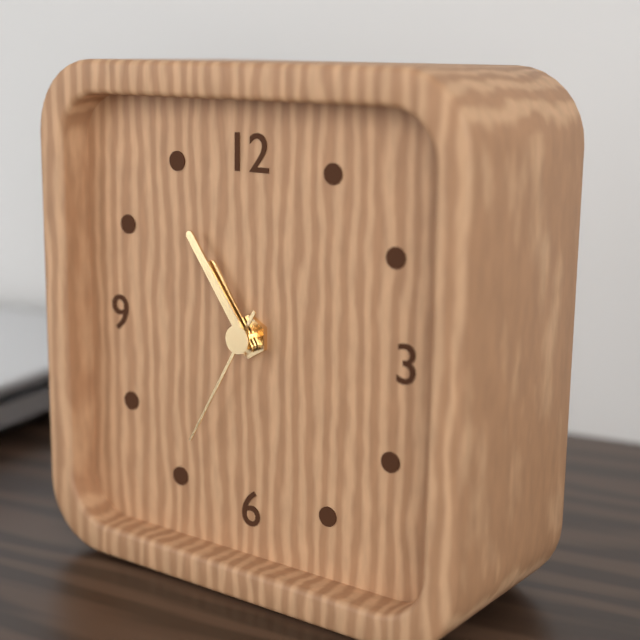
10.54.35
